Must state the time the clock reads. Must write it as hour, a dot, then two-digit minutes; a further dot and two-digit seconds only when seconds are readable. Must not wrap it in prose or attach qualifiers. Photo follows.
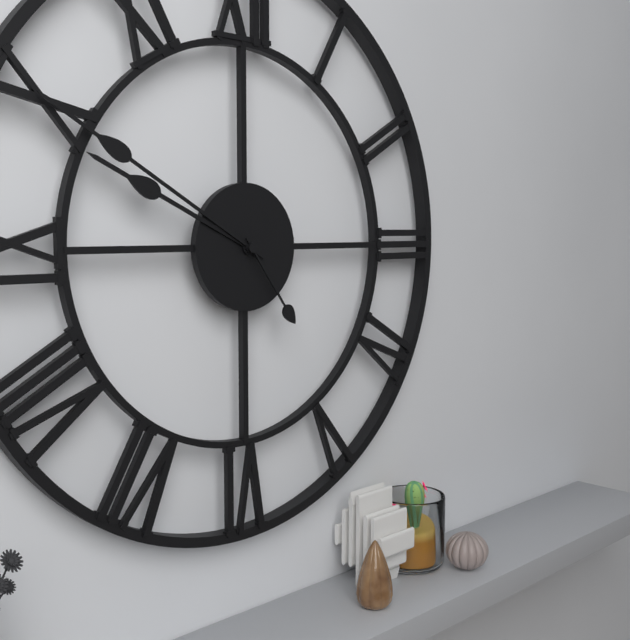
9.50.24
